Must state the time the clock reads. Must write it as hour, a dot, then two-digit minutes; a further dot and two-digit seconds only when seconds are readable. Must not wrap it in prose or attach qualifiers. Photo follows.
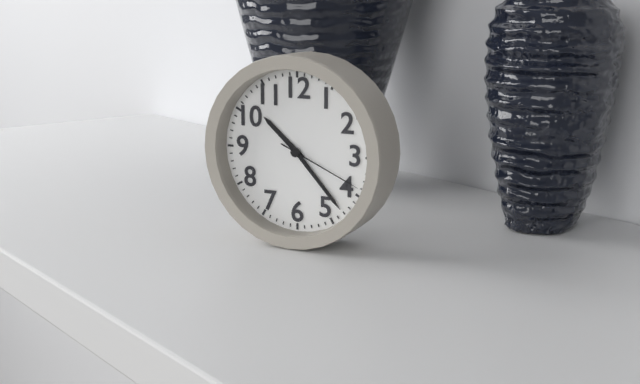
10.23.19
